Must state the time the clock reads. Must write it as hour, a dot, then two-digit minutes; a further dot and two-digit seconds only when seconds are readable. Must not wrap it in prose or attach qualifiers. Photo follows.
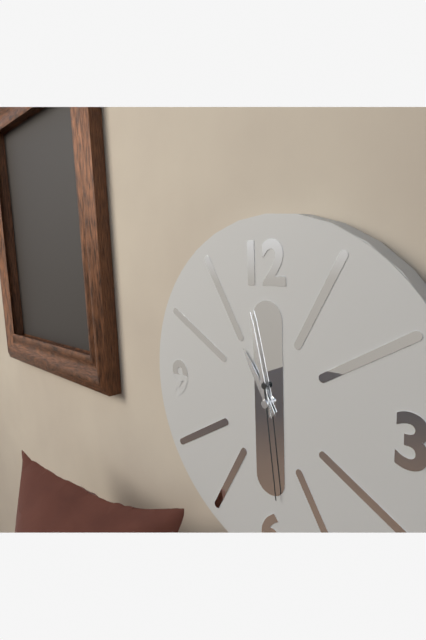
10.58.29
